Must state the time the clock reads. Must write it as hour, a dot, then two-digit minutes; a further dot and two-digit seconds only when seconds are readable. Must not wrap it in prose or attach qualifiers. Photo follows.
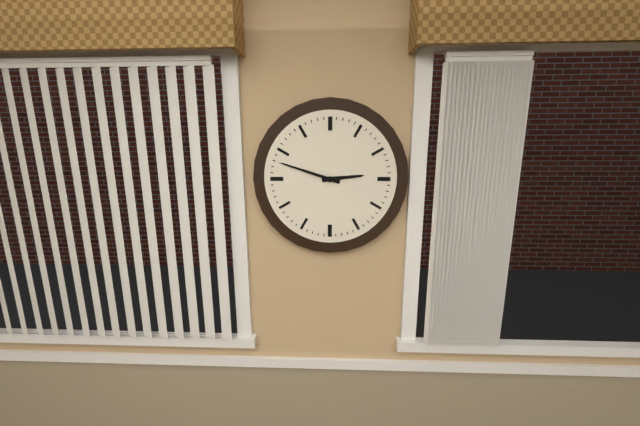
2.48
